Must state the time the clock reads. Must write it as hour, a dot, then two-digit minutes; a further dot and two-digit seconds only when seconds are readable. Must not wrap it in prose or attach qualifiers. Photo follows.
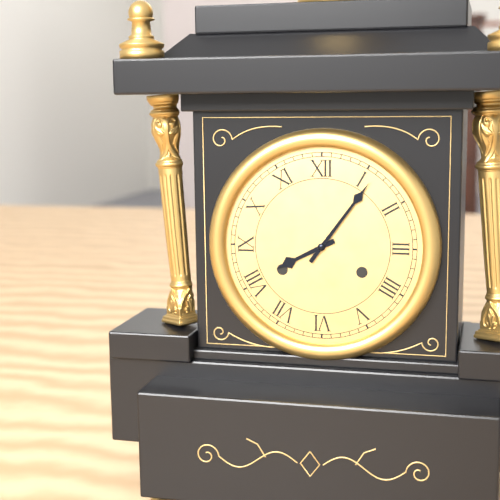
8.06
